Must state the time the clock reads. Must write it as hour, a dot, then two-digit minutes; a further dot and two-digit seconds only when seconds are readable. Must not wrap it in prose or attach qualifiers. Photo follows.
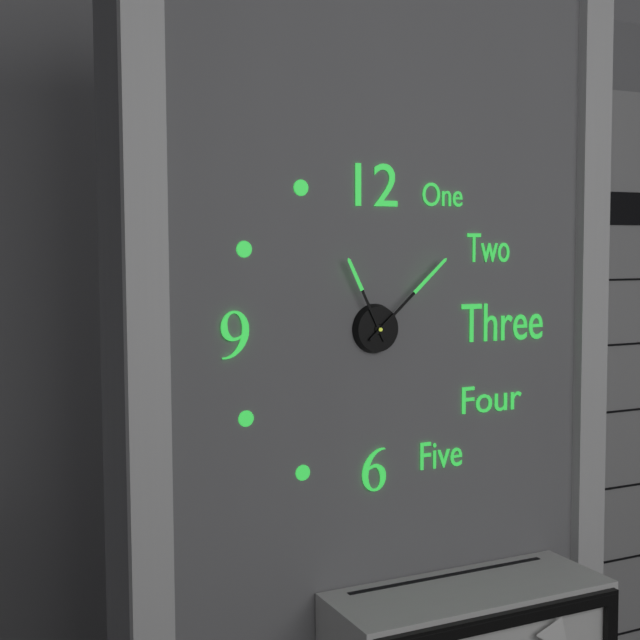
11.08
